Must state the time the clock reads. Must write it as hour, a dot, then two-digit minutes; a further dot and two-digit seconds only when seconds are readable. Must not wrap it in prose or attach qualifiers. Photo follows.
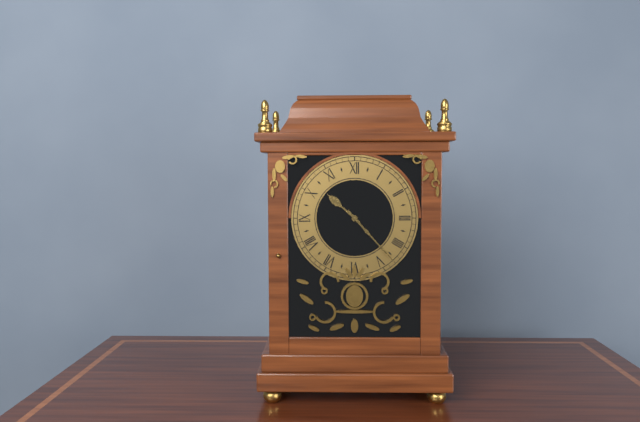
10.23
